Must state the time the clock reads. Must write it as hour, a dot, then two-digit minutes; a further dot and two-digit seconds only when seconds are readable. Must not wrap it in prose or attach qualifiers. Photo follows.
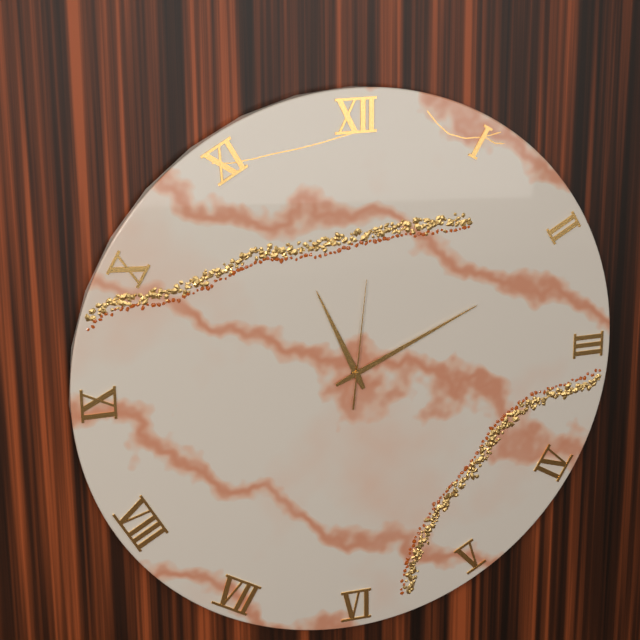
11.11.01
